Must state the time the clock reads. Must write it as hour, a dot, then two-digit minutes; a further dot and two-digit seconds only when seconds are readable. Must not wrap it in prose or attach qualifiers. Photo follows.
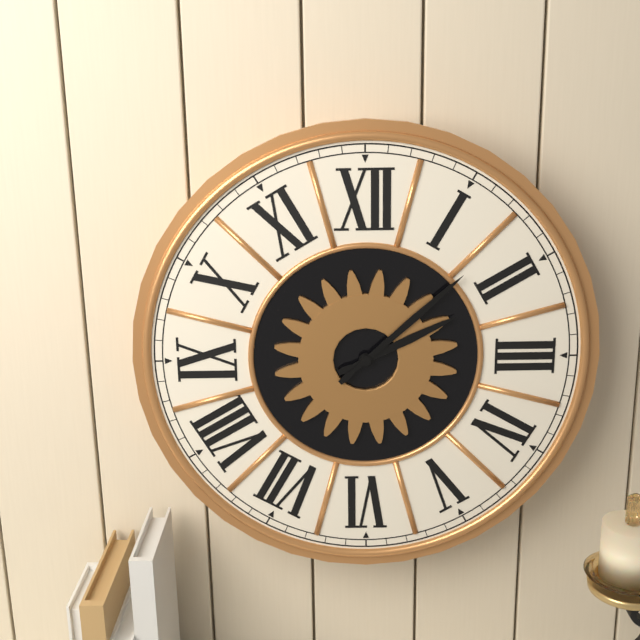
2.08
